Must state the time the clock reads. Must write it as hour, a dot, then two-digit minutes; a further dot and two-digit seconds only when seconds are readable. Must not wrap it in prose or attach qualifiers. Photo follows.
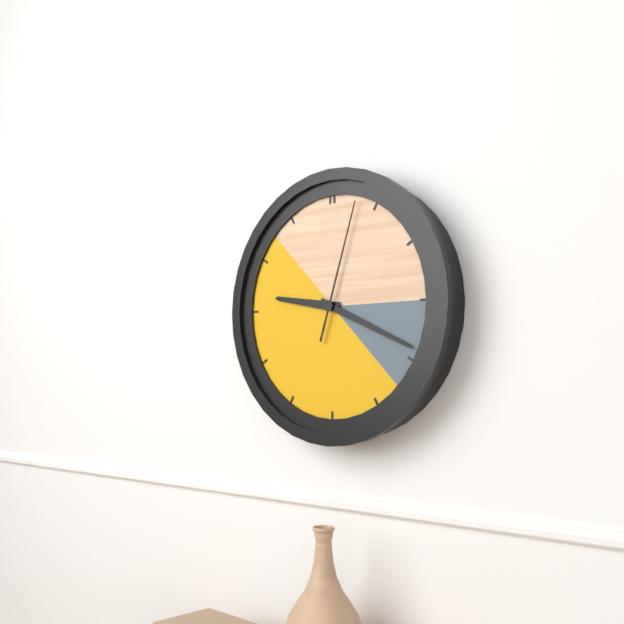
9.19.03
